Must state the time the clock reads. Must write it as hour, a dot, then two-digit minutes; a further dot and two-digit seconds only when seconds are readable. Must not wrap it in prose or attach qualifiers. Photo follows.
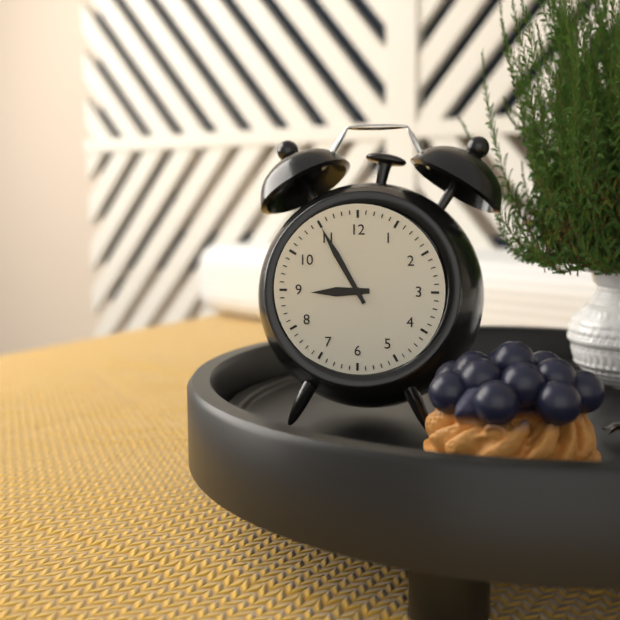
8.55
